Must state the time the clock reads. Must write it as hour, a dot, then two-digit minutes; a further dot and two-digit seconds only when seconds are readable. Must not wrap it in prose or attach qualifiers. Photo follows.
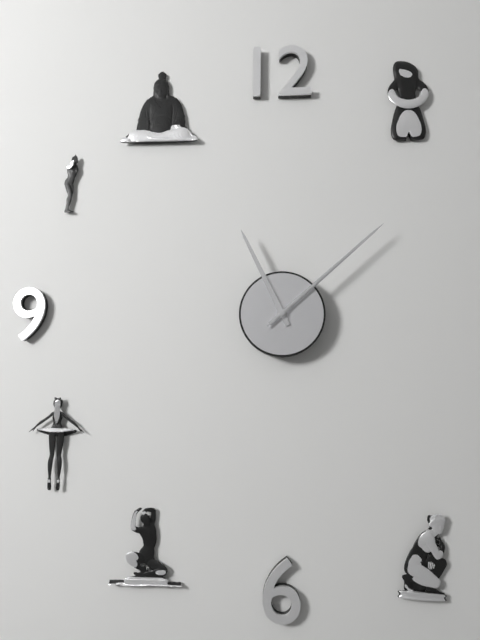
11.08.08
